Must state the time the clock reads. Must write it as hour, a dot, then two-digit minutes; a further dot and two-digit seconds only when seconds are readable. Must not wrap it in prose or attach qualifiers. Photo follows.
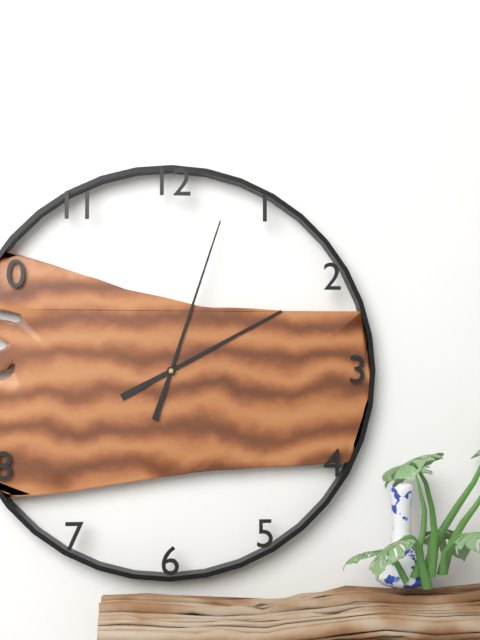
2.03
